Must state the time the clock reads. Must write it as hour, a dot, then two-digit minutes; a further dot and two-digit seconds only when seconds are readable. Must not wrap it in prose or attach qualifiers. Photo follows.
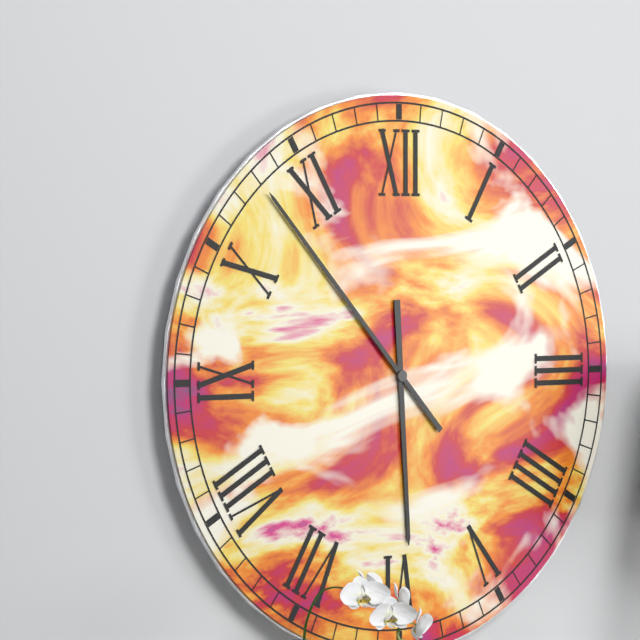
5.53
